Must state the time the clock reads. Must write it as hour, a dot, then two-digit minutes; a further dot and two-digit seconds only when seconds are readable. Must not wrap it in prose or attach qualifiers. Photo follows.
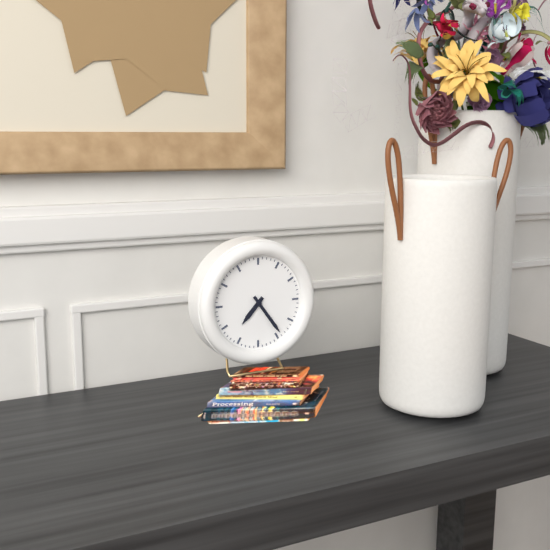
7.24
